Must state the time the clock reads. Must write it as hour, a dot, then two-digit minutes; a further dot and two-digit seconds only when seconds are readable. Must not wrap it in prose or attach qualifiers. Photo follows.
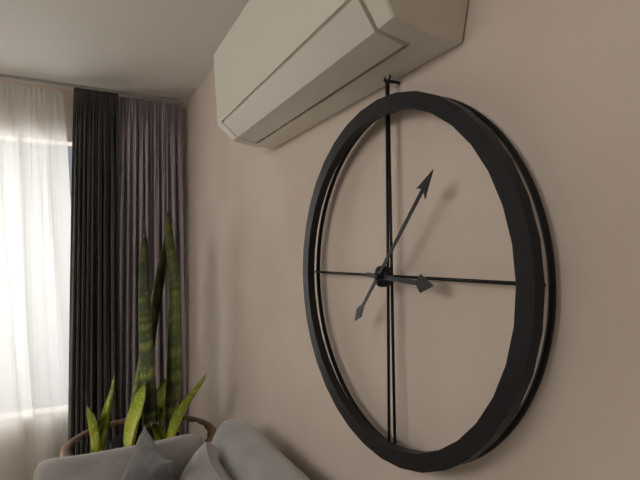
3.07
